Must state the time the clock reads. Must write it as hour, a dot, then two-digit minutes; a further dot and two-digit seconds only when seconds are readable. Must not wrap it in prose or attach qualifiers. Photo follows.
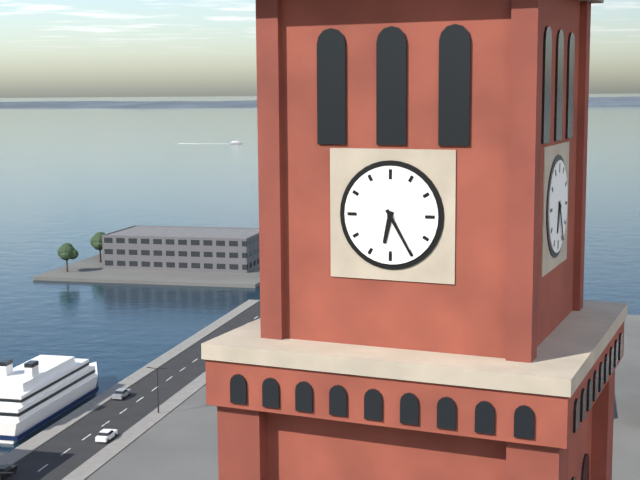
6.25
